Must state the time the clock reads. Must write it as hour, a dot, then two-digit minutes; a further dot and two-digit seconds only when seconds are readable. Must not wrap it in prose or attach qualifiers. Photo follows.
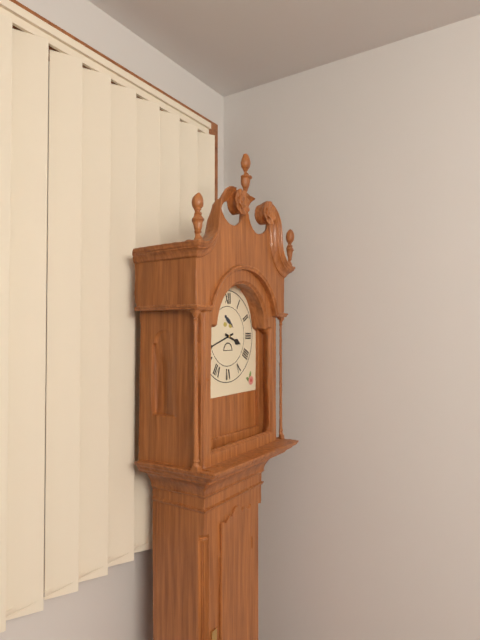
3.42
